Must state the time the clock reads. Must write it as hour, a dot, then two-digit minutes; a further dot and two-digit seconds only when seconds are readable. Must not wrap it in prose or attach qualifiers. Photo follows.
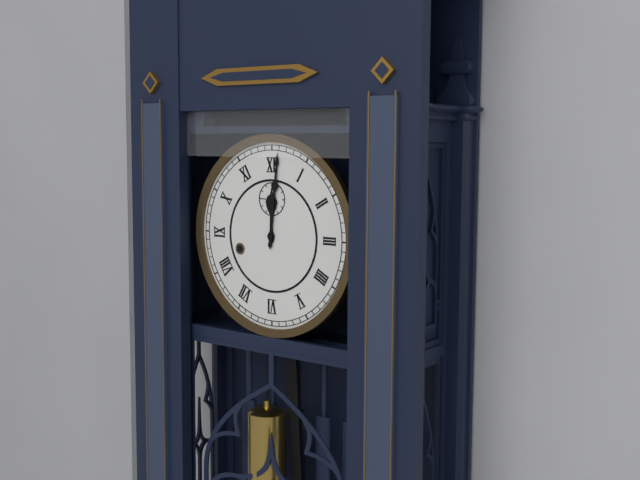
12.01
